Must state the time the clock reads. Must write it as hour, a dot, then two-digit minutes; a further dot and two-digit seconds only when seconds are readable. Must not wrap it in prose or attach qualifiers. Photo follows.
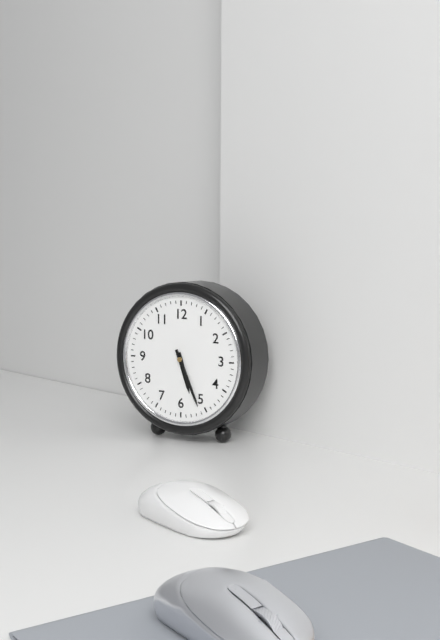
5.26
